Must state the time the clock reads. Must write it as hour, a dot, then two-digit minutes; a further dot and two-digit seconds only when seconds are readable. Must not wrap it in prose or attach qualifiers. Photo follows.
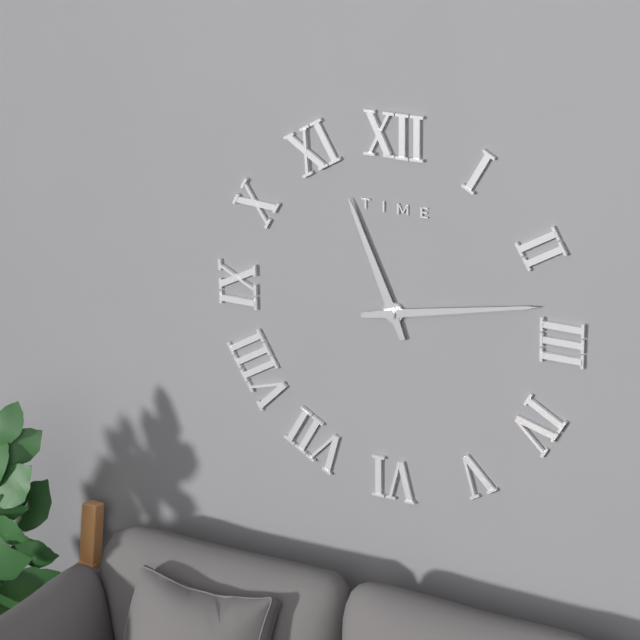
11.13
